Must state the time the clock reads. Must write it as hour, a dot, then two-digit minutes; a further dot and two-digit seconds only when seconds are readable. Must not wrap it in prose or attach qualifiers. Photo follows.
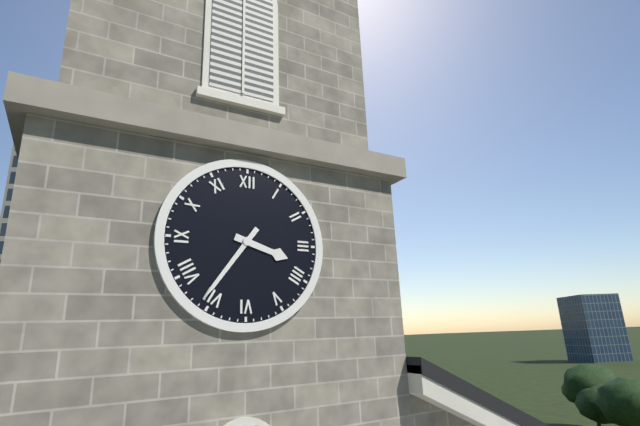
3.36
